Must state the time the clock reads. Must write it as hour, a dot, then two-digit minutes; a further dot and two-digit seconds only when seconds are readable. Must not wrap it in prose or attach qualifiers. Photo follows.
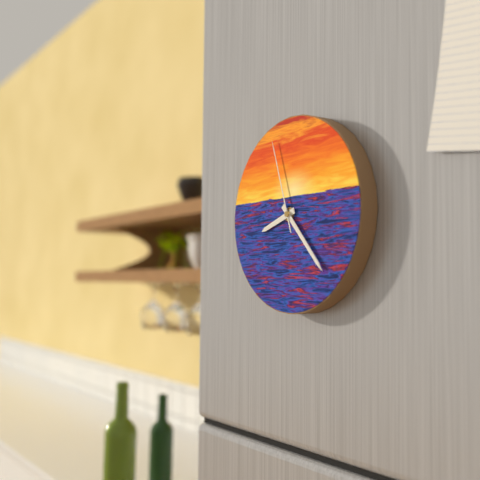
8.23.57
